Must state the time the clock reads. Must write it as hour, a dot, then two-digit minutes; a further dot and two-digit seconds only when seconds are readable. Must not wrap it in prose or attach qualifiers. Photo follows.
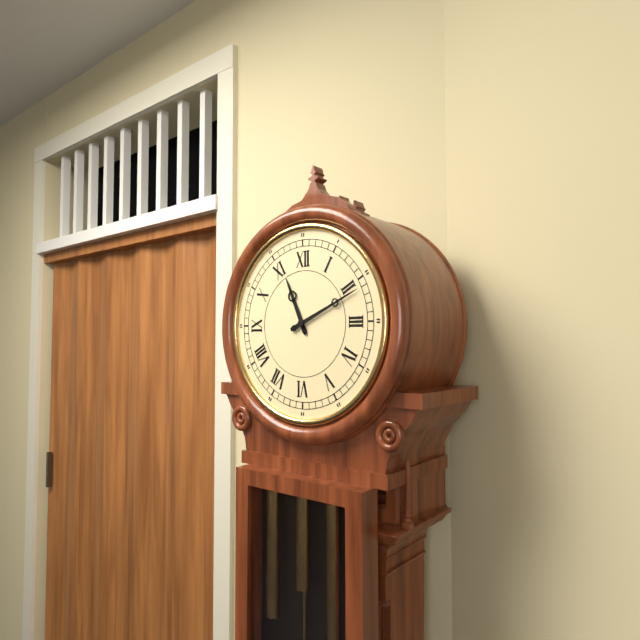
11.11
